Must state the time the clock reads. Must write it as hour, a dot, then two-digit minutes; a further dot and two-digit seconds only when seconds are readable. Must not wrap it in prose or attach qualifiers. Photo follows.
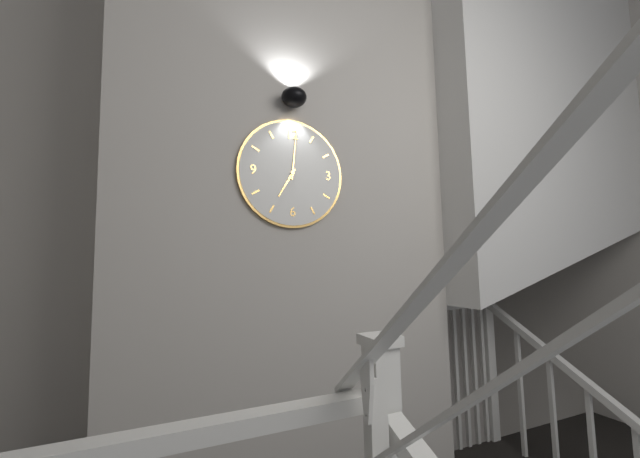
7.01
